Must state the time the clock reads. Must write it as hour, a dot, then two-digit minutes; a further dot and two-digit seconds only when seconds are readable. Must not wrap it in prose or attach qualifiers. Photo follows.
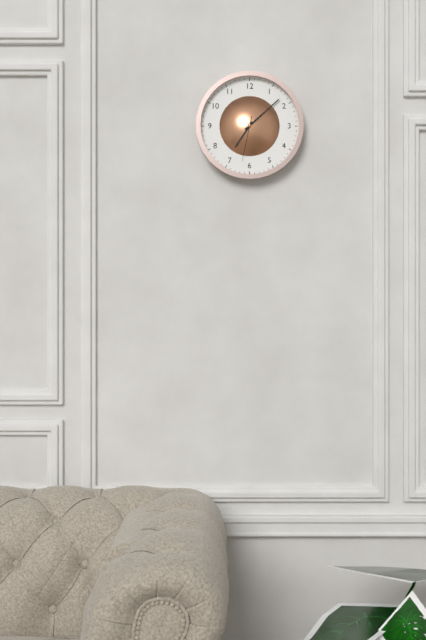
7.08
